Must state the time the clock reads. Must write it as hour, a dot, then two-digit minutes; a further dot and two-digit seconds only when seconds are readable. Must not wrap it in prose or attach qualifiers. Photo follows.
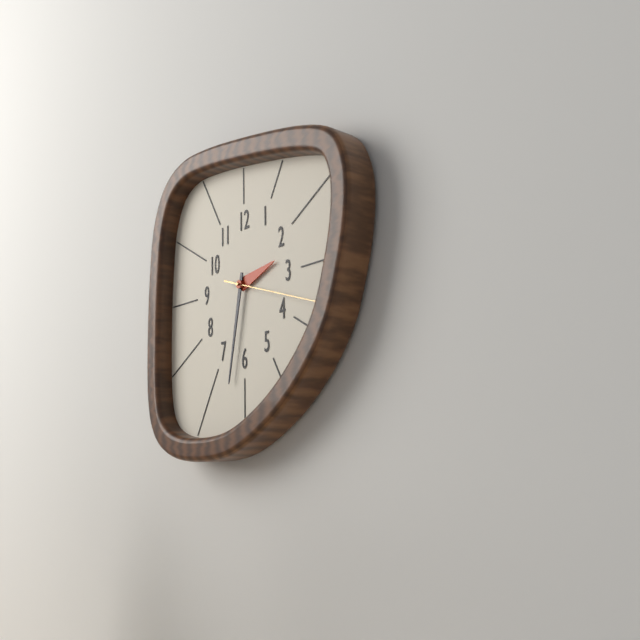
2.32.18
